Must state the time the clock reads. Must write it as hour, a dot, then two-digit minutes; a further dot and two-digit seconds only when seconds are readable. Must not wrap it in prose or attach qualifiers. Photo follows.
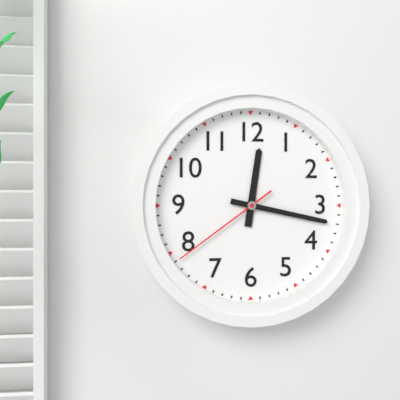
12.17.39
